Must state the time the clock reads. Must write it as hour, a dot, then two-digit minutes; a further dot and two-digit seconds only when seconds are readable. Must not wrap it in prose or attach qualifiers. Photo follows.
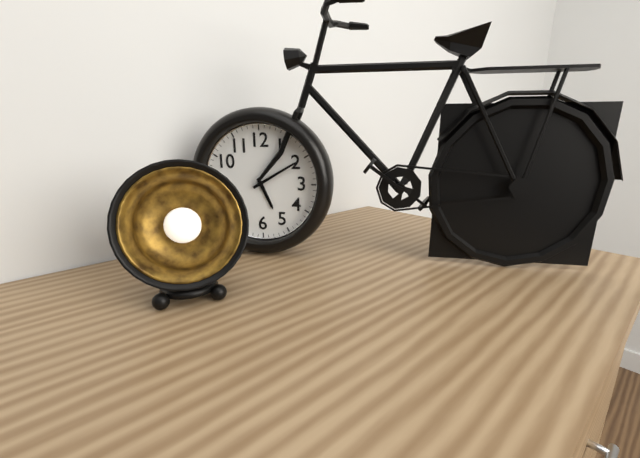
5.10
